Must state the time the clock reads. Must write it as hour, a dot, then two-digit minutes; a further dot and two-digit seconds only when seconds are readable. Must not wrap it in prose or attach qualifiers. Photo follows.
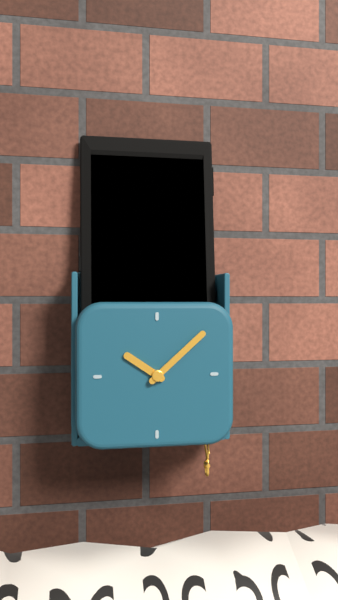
10.08
